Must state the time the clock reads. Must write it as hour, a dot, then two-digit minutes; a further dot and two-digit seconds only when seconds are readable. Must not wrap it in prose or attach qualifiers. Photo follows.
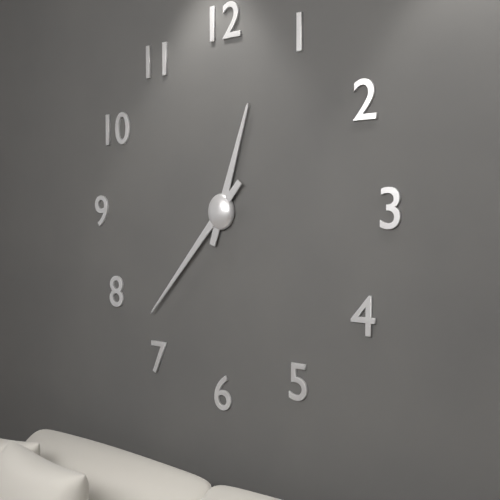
12.37
